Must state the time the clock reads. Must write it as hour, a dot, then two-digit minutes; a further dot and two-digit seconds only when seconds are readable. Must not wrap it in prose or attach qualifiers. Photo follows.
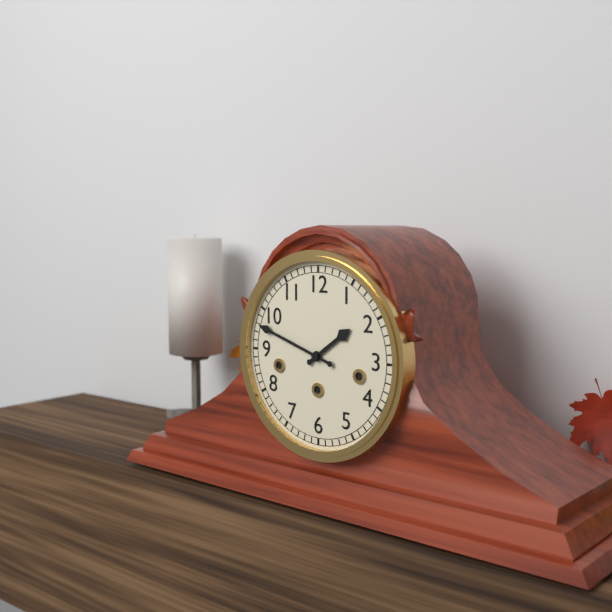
1.48
